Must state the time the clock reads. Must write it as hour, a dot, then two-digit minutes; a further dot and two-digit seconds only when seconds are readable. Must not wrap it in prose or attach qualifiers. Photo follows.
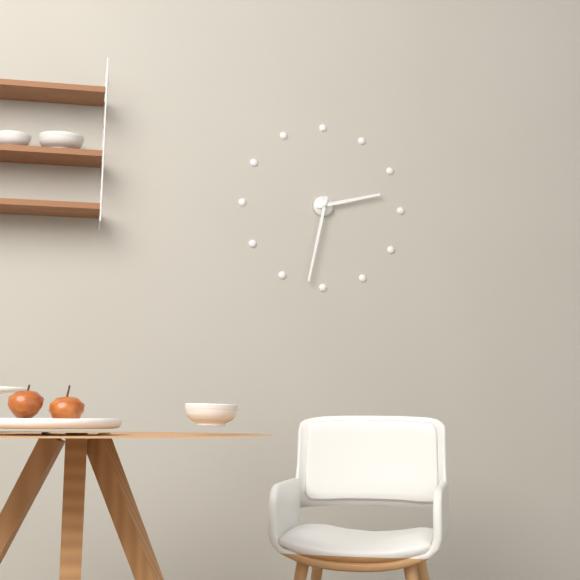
2.32
